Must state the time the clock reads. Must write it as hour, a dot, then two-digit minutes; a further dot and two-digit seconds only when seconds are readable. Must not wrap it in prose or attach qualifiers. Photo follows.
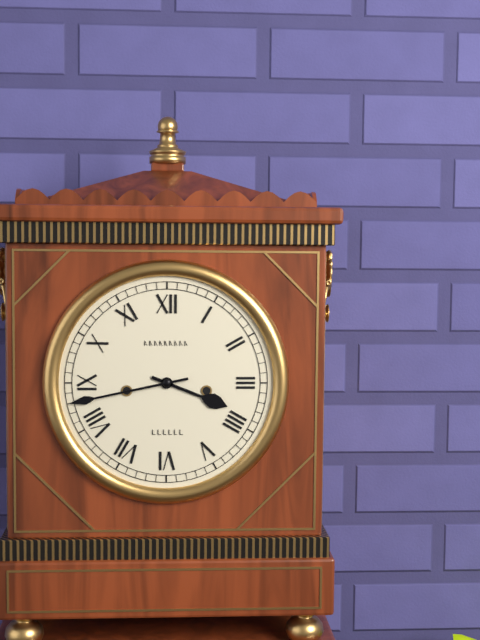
3.43
